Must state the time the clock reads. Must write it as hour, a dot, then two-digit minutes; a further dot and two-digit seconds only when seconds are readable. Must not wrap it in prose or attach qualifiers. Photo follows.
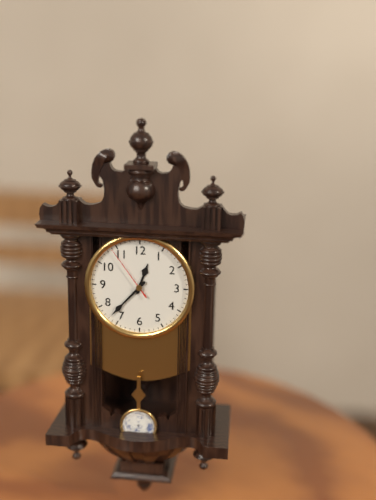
12.37.54
